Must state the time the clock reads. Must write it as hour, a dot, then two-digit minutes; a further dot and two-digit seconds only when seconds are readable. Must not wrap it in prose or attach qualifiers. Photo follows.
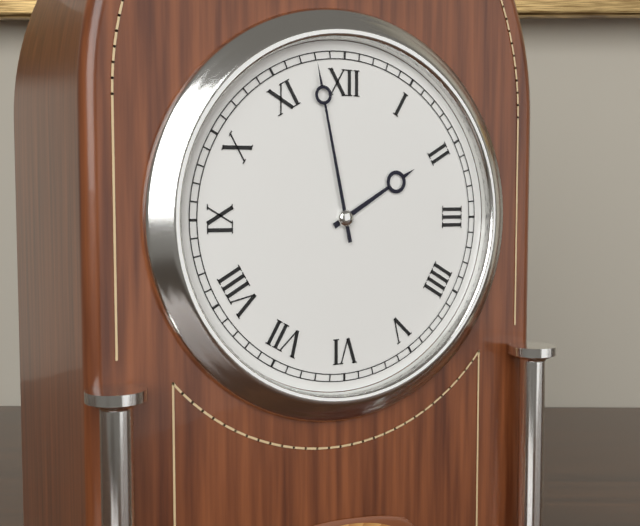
1.58
